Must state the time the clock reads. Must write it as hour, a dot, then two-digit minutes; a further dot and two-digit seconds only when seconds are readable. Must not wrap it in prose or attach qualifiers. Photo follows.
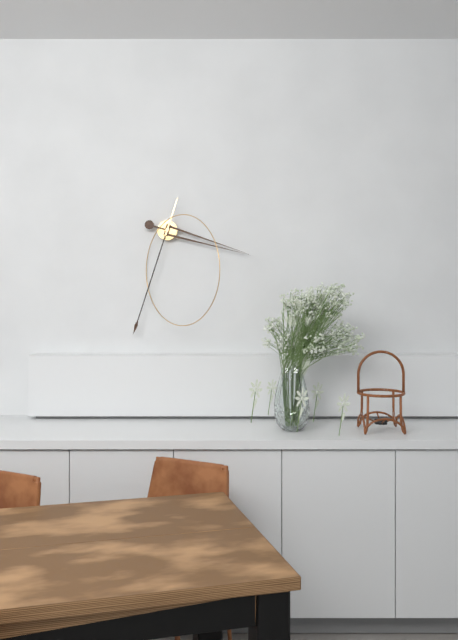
3.33
